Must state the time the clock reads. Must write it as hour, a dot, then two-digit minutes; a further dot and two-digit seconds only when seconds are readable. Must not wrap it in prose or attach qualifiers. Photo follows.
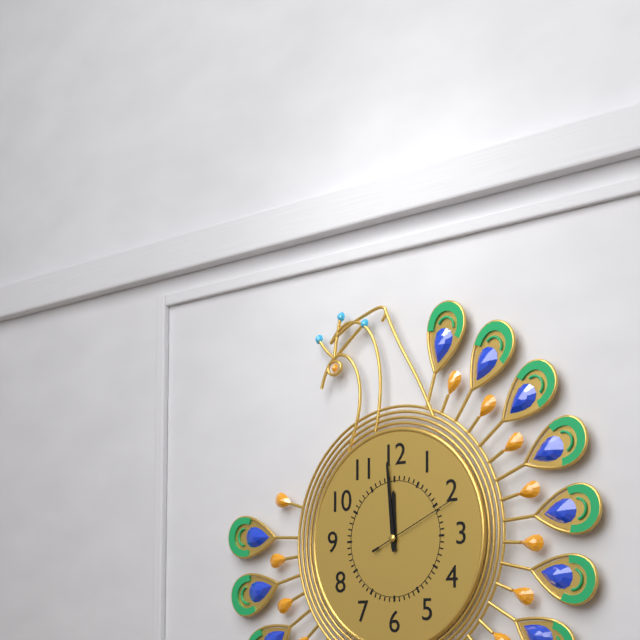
11.59.11
